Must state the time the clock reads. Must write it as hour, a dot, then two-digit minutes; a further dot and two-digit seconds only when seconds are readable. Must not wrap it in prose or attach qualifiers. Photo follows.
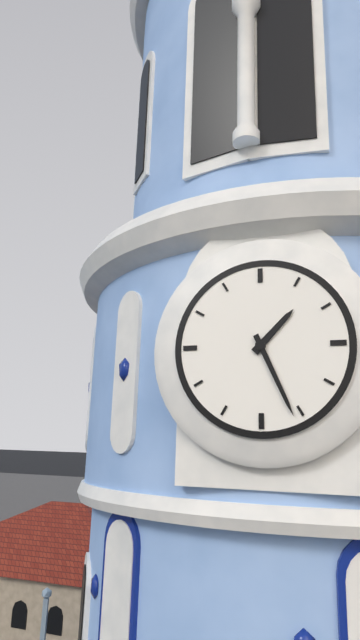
1.26
